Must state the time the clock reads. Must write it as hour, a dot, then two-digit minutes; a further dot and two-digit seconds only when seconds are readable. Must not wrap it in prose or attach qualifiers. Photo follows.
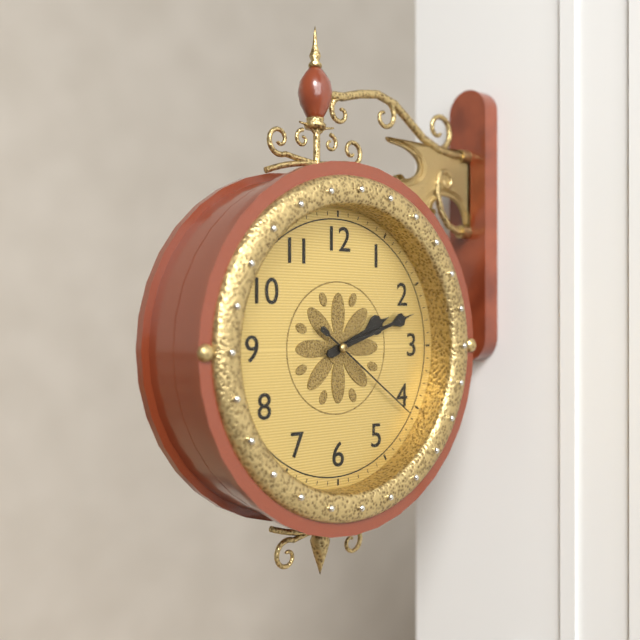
2.12.21
